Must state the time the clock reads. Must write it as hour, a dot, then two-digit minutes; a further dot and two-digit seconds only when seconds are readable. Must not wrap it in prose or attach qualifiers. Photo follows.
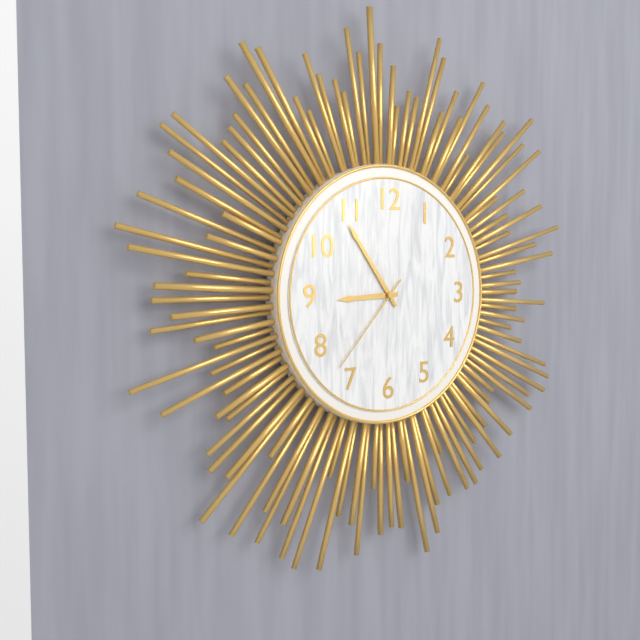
8.54.37
